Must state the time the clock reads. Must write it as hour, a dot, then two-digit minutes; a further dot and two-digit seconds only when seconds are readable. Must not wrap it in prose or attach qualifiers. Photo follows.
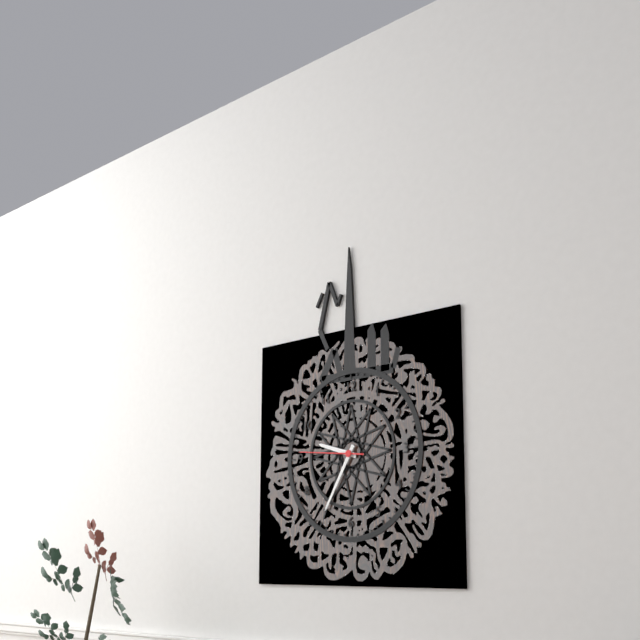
9.35.46
